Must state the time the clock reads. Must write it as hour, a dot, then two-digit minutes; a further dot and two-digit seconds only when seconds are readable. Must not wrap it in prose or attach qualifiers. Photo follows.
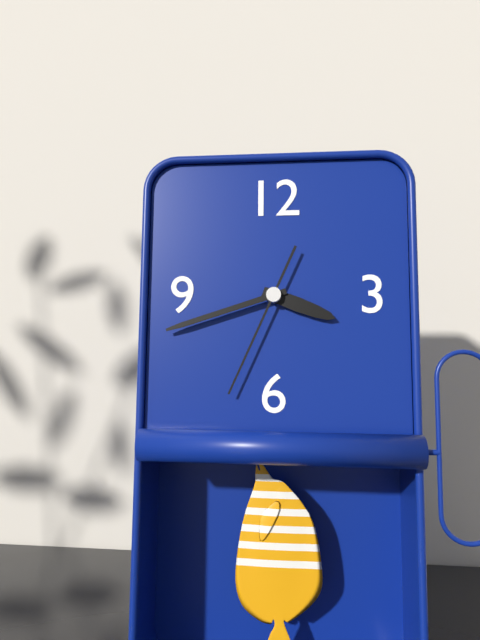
3.42.34
